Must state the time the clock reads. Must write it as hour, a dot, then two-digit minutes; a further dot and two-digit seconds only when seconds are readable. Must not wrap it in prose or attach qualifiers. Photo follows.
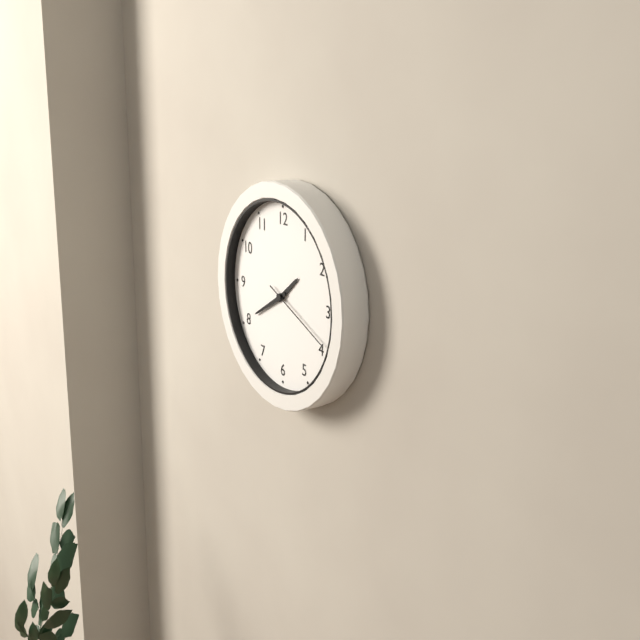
1.40.19
